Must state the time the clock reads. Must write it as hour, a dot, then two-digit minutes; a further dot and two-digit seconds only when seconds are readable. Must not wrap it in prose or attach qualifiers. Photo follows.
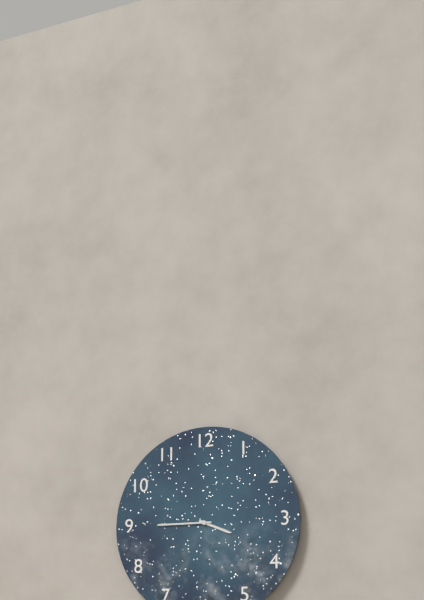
3.45
